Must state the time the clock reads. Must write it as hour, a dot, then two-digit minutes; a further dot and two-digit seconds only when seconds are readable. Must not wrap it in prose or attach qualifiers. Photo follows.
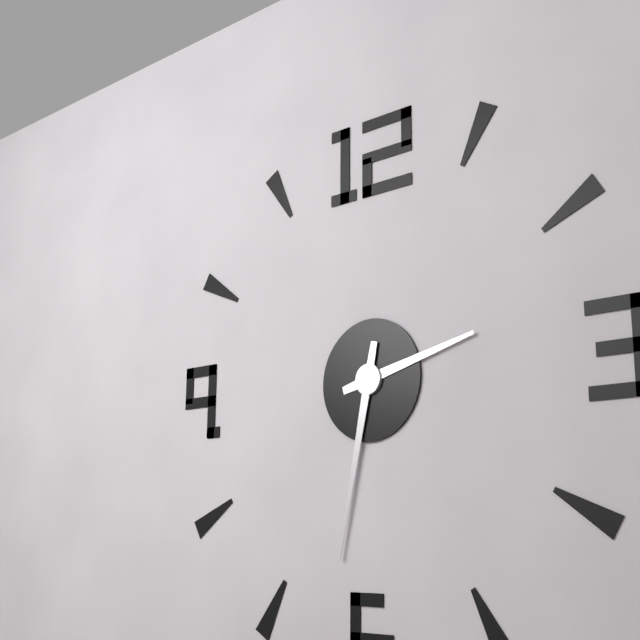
2.32
